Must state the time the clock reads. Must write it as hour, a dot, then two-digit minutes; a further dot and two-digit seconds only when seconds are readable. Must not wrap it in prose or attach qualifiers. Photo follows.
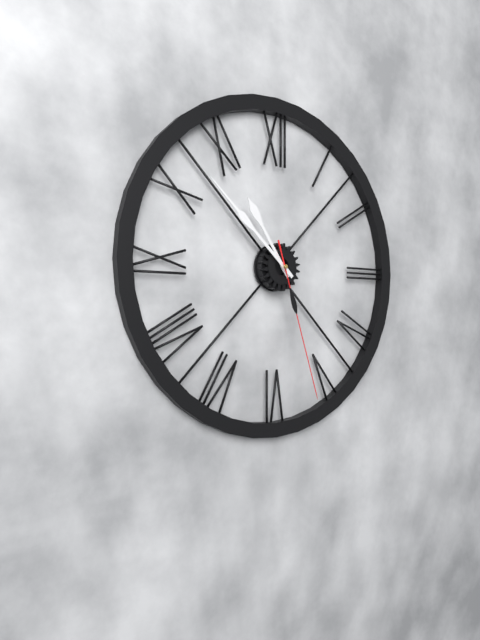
10.52.27
